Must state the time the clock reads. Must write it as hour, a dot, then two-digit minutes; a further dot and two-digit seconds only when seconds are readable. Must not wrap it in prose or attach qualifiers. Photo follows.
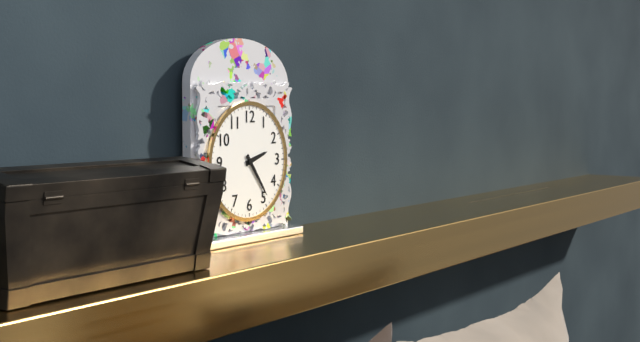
2.24
